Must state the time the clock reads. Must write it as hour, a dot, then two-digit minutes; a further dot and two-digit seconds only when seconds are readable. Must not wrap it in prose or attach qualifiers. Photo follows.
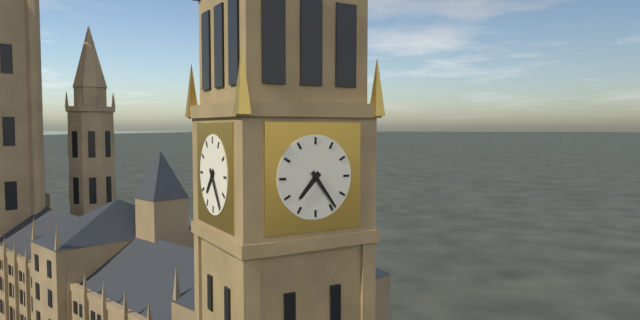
7.24
